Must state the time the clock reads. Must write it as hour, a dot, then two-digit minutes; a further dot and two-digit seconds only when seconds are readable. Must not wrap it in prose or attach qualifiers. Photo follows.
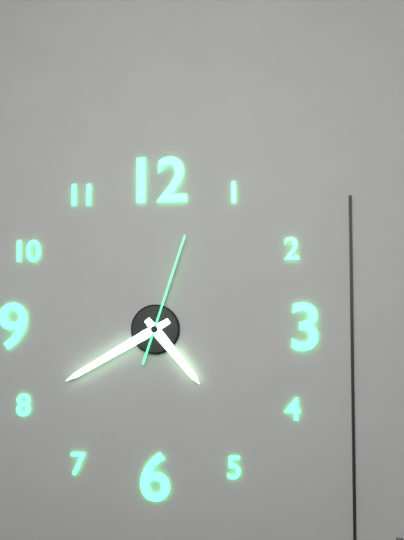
4.40.03
